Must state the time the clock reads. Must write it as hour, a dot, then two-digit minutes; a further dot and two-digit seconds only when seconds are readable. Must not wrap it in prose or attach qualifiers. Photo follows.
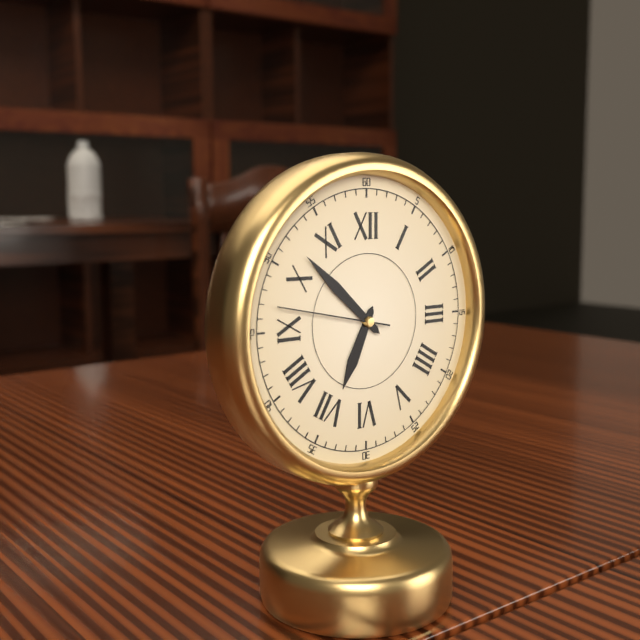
6.52.47
